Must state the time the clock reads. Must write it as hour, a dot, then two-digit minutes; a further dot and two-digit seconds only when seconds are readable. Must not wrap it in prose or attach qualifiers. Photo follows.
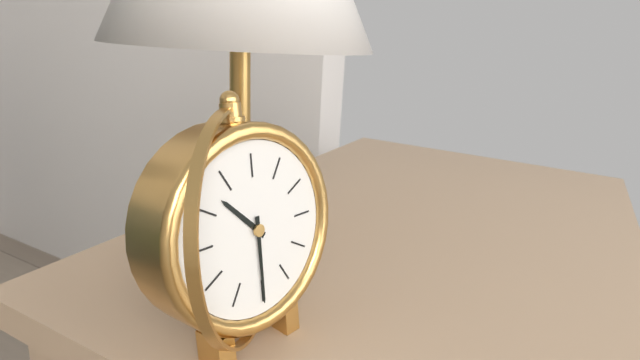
10.30
